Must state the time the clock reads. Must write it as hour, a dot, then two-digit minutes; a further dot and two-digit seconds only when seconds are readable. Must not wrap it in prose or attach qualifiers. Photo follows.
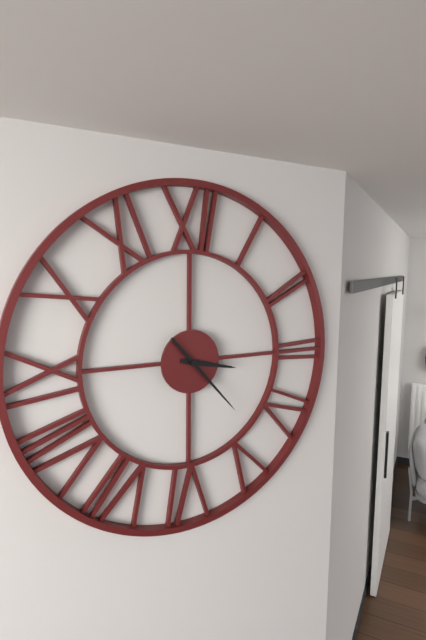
3.23
